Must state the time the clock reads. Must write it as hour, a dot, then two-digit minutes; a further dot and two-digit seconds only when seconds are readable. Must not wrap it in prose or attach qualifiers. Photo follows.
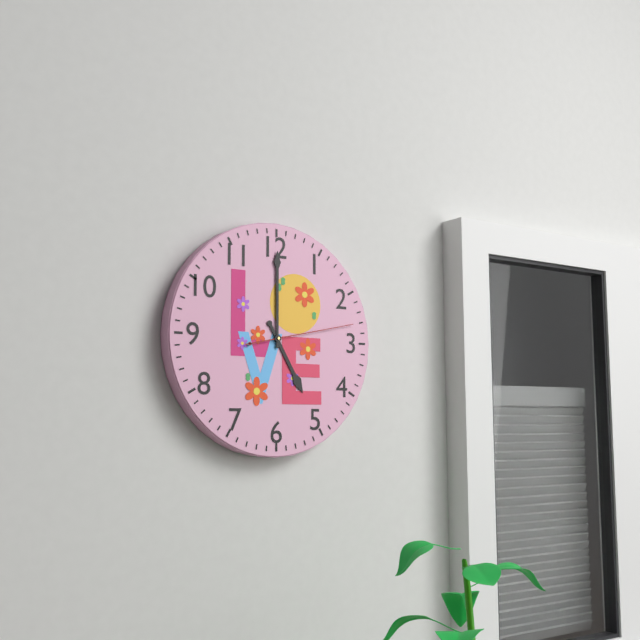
5.00.13
